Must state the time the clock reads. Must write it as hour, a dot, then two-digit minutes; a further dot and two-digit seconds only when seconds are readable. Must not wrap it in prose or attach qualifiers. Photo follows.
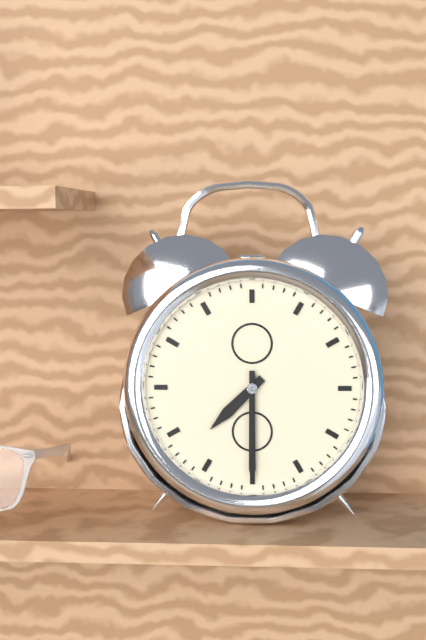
7.30
